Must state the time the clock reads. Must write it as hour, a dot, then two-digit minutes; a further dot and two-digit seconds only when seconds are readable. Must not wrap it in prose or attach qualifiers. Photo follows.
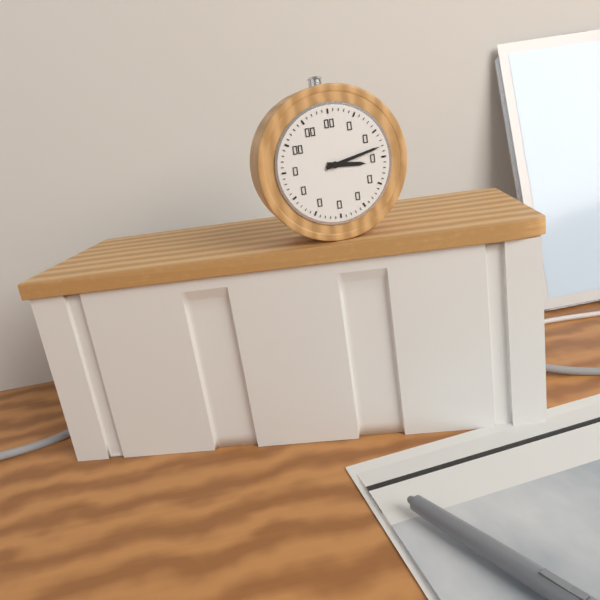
3.13
